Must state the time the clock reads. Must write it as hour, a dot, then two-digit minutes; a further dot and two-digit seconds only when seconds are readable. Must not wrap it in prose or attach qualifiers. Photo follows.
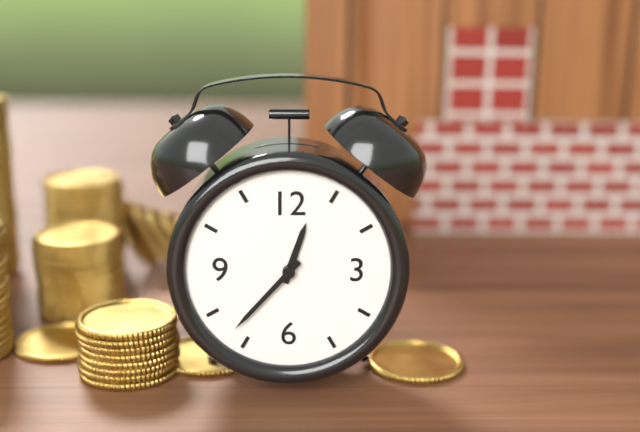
12.37
